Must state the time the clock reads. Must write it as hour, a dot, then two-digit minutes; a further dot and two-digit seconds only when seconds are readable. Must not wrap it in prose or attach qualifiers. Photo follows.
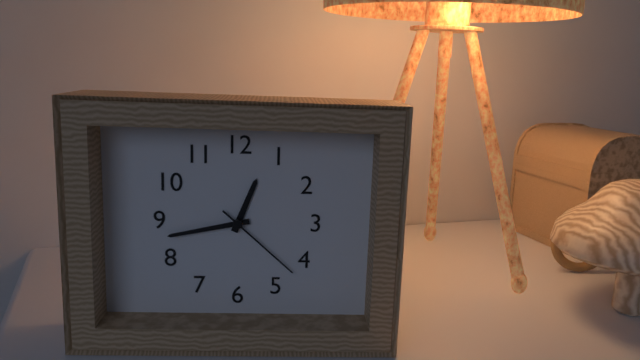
12.43.22
